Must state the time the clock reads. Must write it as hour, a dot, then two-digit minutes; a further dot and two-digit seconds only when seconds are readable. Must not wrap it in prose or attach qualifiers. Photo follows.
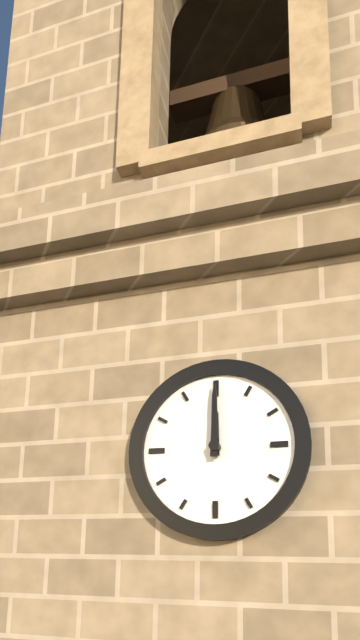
12.00
